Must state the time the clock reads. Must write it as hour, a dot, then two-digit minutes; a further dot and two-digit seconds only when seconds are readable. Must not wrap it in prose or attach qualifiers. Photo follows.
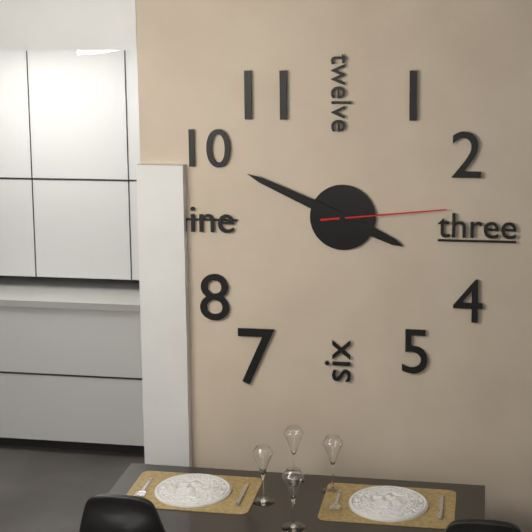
3.49.14
